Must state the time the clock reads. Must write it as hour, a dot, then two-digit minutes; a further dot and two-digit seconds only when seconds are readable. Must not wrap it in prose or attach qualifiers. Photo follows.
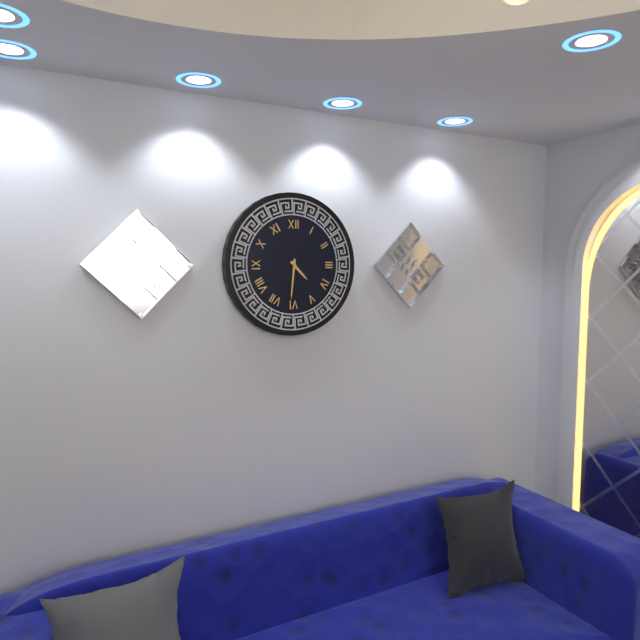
4.31
